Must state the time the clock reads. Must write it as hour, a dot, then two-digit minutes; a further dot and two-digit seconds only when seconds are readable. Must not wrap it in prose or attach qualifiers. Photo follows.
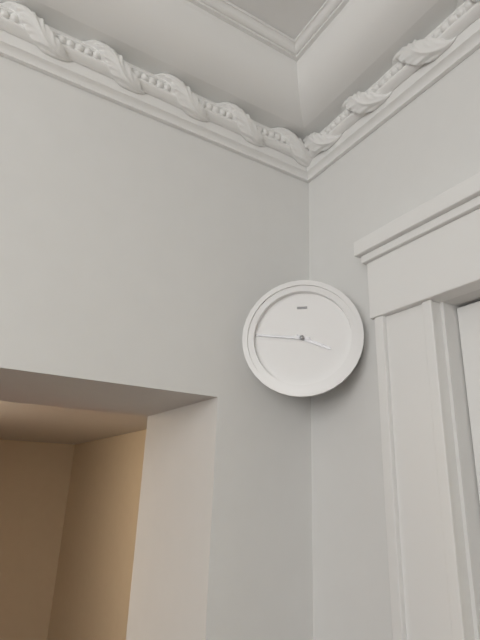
3.46
